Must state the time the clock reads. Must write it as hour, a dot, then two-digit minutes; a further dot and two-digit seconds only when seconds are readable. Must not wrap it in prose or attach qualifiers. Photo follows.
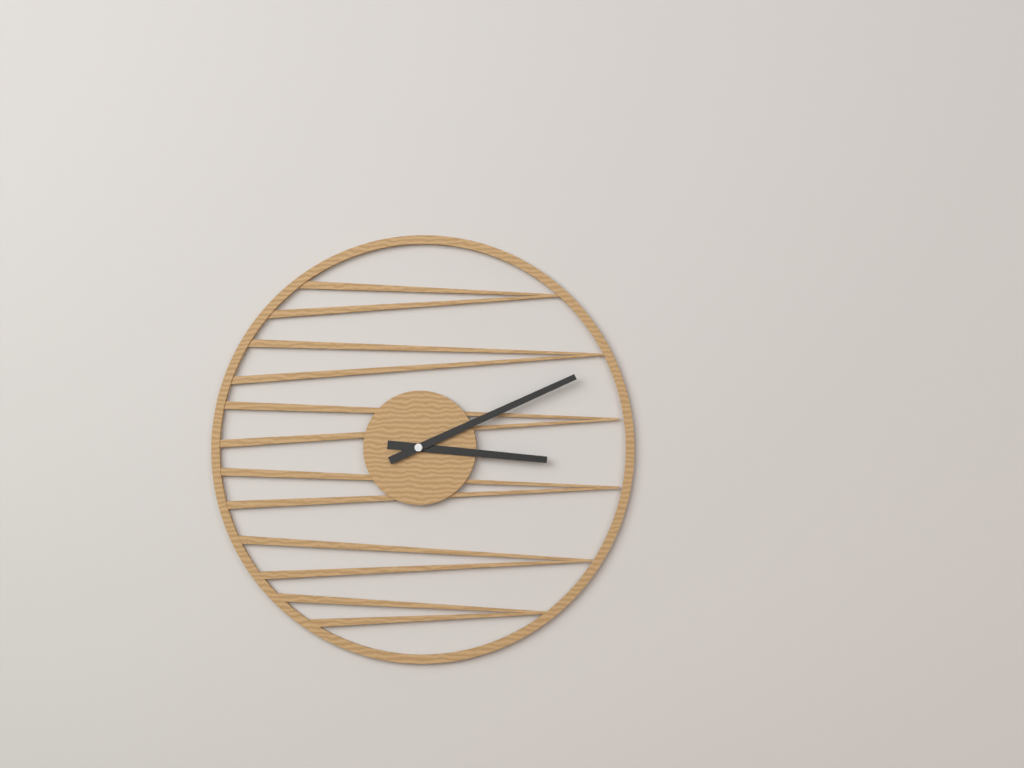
3.11
